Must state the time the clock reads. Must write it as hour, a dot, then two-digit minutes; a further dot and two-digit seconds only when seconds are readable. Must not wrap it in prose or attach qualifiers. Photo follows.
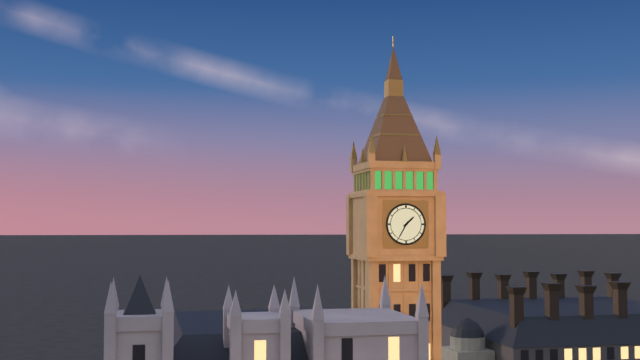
1.35
